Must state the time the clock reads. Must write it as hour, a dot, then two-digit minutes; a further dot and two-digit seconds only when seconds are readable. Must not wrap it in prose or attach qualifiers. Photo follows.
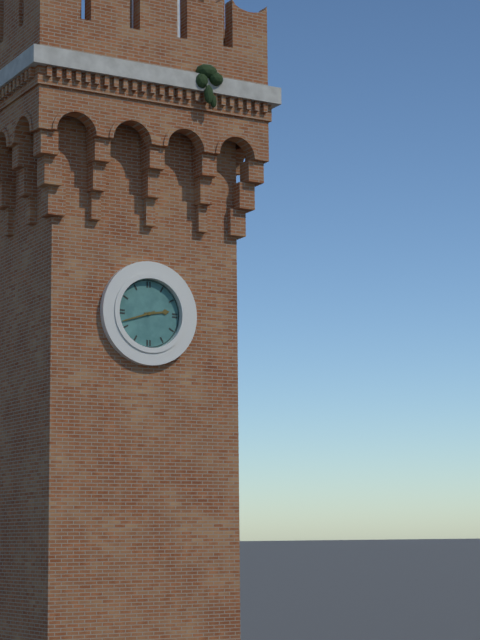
2.42
